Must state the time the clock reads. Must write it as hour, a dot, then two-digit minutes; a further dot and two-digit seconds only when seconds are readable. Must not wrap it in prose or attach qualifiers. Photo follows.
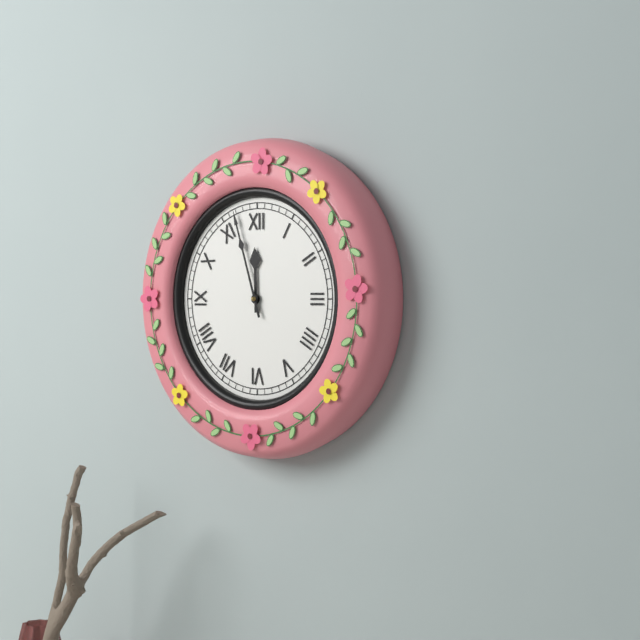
11.57
